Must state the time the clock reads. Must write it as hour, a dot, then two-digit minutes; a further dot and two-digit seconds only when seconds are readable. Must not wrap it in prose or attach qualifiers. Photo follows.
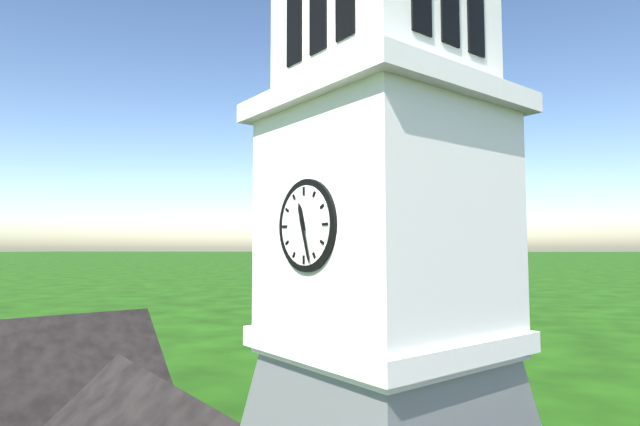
11.27
